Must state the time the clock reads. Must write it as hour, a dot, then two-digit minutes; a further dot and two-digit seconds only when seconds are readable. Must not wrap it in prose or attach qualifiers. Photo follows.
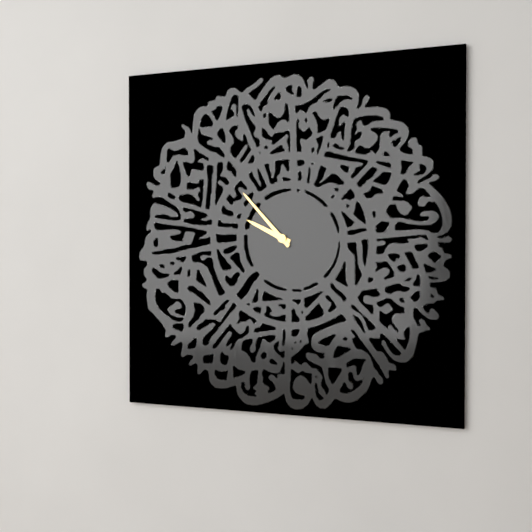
9.53
